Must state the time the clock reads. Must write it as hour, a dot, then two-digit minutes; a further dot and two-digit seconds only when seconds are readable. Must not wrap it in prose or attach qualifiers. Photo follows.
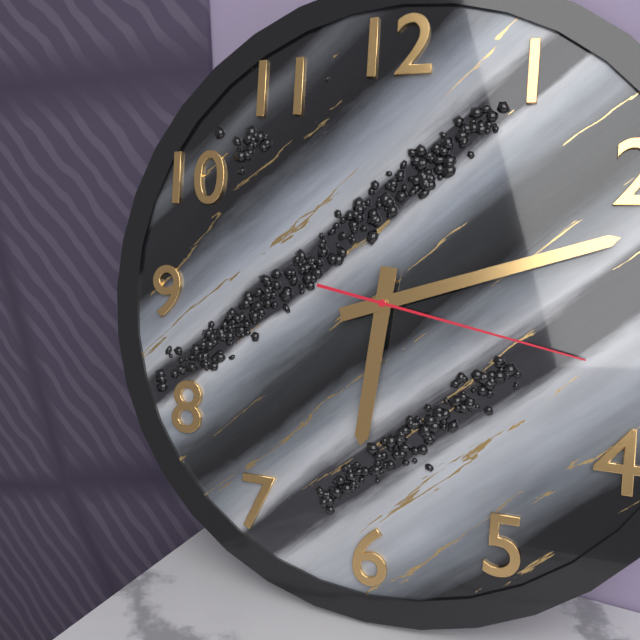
6.12.17
